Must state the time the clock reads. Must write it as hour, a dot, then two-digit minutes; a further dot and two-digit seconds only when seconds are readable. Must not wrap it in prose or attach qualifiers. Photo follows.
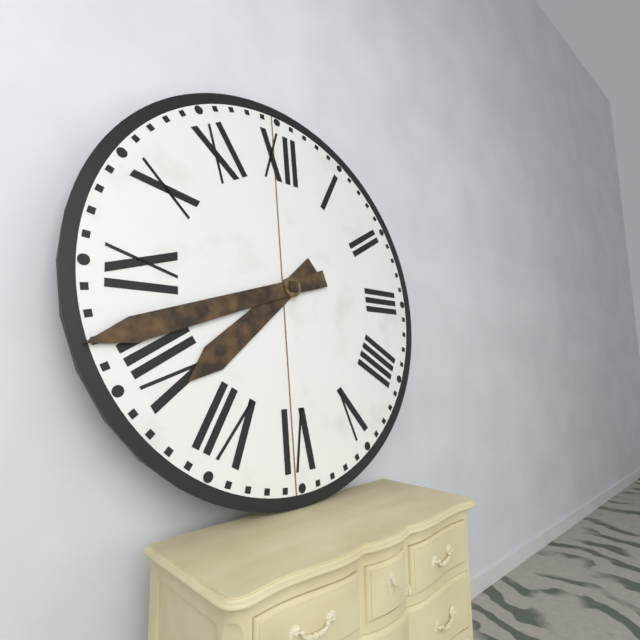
7.42
